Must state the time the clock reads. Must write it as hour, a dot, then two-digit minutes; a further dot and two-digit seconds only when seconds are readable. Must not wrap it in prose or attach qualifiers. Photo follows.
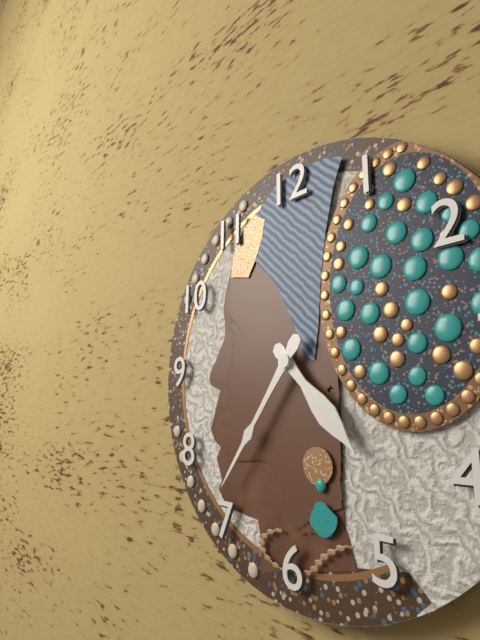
4.36
